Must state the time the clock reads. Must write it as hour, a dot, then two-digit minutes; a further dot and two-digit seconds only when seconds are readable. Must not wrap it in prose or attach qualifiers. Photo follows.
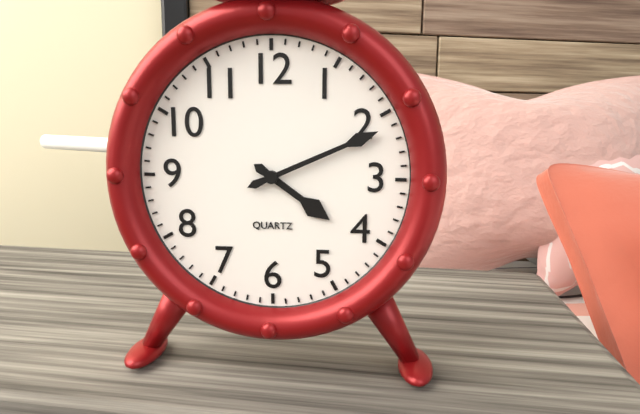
4.11
